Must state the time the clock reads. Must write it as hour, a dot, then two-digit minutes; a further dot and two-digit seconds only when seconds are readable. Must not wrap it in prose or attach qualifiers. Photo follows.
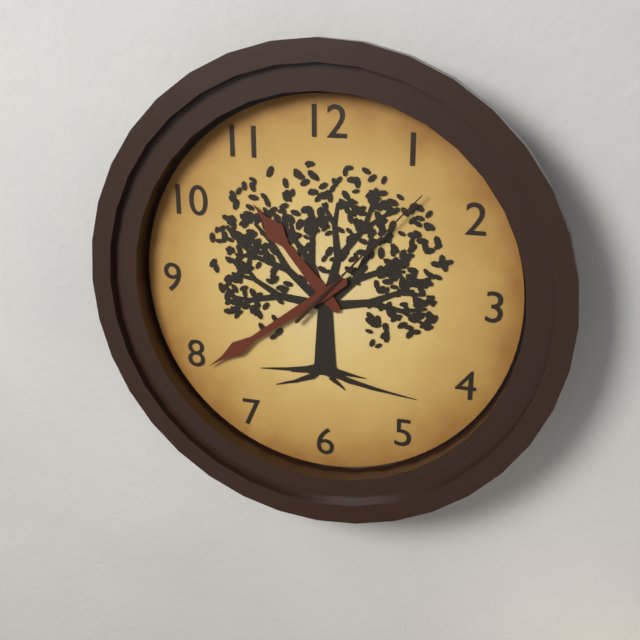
10.39.07
